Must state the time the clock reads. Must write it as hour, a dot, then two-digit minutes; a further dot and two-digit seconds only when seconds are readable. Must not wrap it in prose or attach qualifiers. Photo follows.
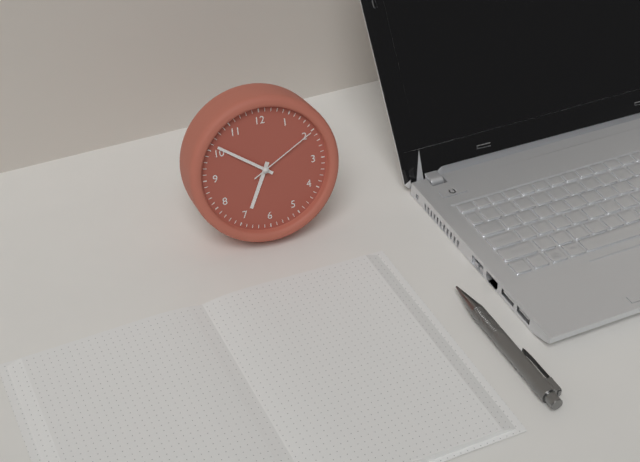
6.51.10
